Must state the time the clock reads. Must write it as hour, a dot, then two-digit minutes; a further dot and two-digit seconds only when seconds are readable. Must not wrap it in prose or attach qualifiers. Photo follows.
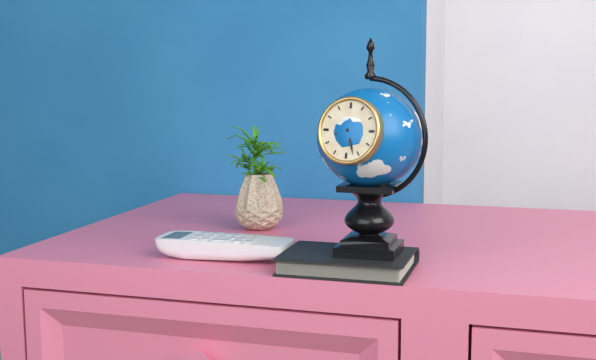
8.27
